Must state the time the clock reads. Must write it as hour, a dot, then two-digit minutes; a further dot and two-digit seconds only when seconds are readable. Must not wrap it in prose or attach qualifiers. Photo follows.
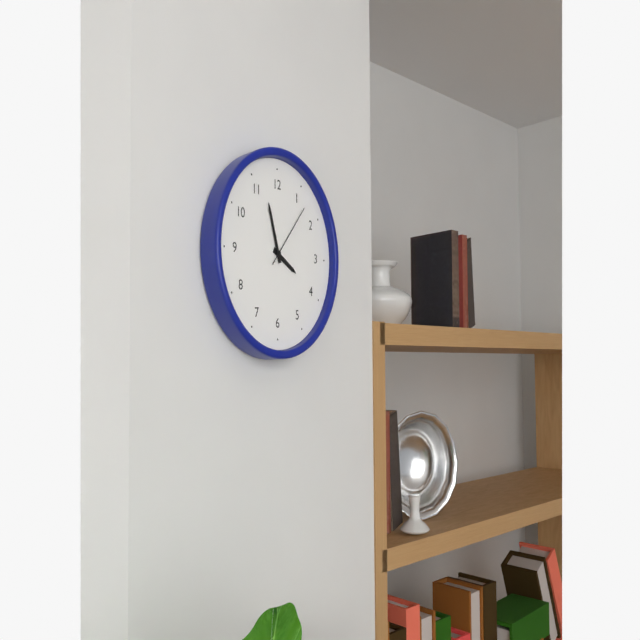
3.57.07
